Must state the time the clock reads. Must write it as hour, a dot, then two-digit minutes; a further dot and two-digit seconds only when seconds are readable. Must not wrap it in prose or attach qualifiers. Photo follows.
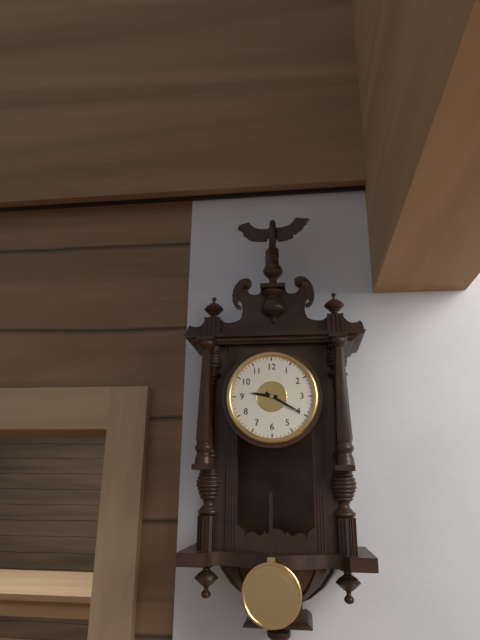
9.20
